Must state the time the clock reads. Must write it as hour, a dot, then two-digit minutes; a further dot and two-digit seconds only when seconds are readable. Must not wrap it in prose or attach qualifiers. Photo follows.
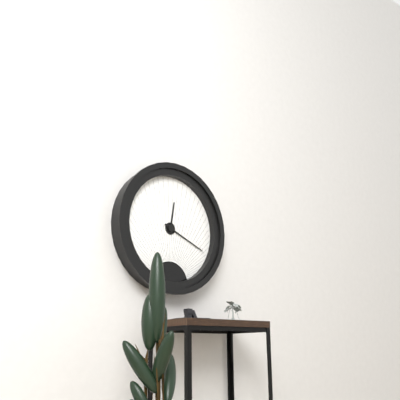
12.19
